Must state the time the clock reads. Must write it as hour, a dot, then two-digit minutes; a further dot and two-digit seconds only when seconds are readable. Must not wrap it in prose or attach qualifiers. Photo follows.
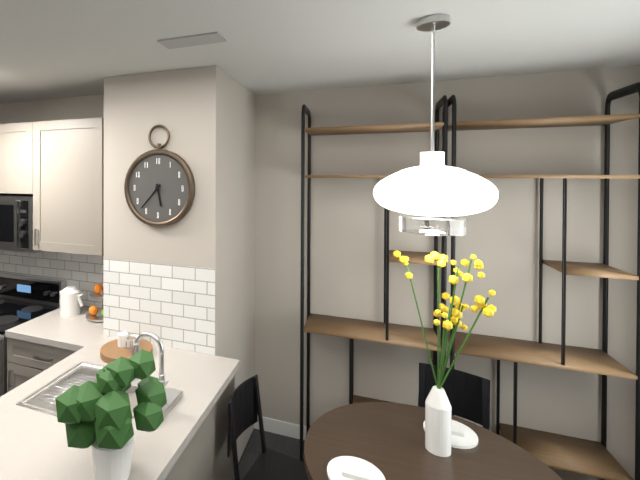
5.37
